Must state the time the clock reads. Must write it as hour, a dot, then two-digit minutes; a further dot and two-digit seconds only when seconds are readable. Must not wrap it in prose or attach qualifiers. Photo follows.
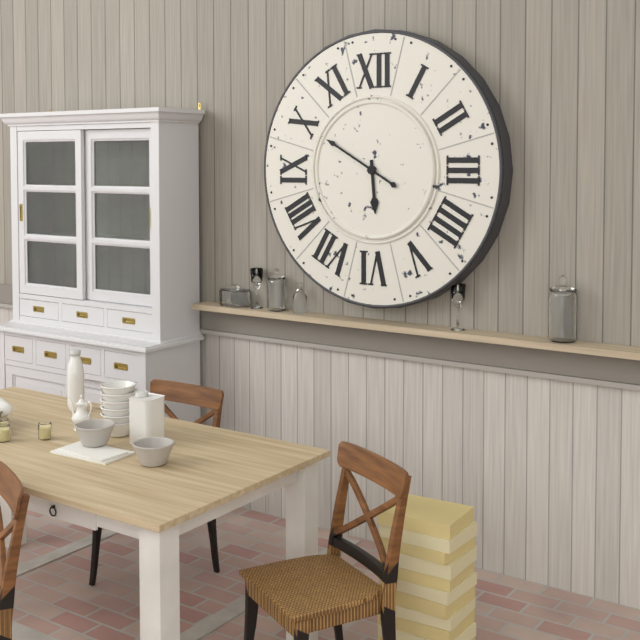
5.50
